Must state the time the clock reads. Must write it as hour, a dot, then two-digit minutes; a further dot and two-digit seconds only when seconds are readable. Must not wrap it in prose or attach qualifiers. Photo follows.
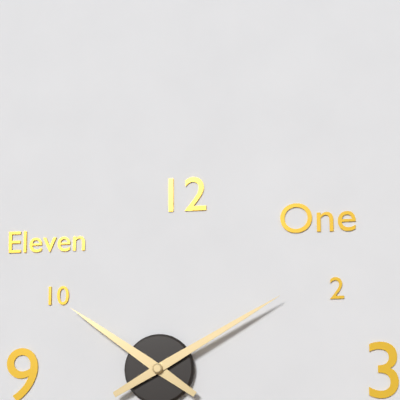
10.10
